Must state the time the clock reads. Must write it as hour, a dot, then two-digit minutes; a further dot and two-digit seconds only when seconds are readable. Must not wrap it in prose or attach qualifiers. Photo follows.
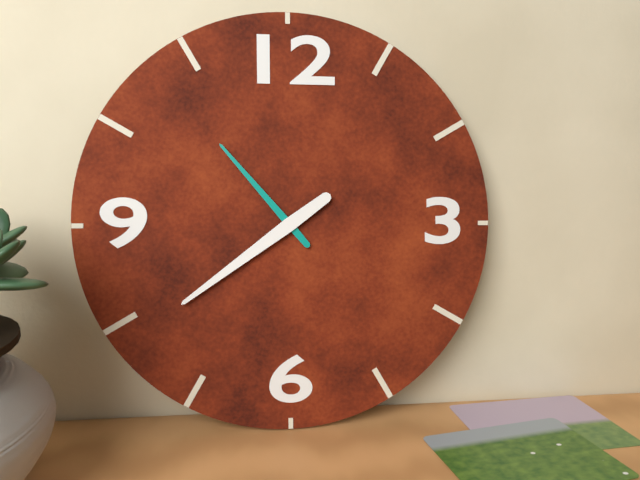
10.39
